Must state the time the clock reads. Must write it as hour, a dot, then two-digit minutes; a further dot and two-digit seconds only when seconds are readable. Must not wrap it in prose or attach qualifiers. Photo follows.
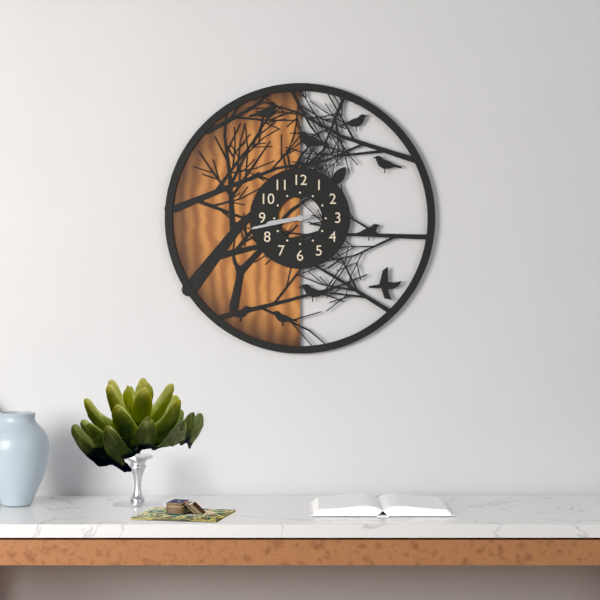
8.43
